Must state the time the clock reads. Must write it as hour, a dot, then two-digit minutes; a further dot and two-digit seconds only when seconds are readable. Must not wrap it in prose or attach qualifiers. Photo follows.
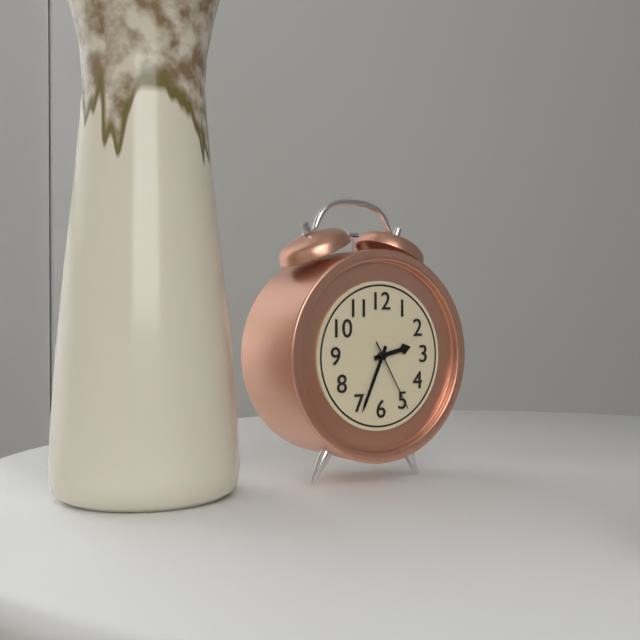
2.34.25
